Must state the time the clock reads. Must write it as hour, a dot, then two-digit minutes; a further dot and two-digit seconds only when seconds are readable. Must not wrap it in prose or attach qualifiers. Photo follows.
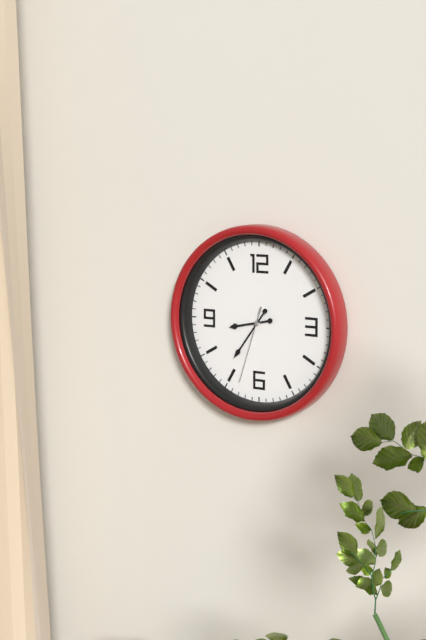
8.36.33
